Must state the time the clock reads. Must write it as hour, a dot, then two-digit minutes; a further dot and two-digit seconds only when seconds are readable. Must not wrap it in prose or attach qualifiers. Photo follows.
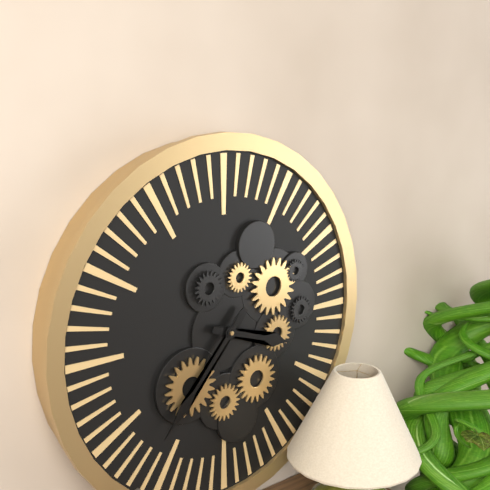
3.37
